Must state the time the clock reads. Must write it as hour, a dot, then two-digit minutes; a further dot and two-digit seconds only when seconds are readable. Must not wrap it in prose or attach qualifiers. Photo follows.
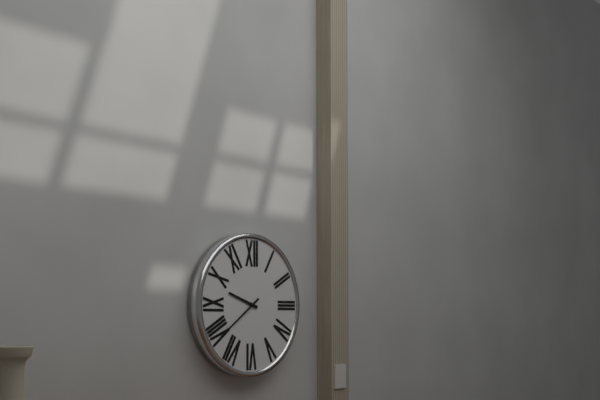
9.39
